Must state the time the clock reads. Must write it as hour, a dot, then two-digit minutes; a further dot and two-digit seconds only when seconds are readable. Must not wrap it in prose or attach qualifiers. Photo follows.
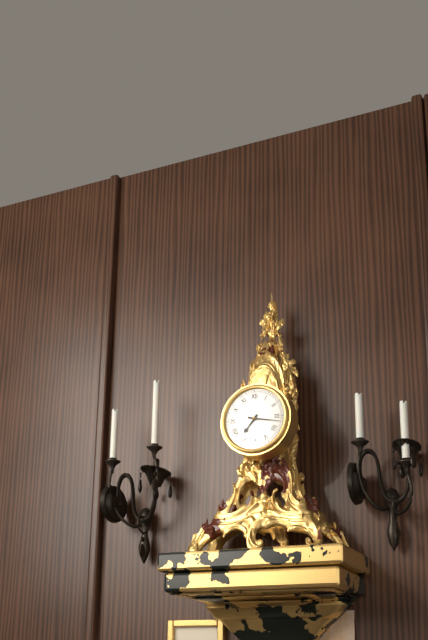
7.17
